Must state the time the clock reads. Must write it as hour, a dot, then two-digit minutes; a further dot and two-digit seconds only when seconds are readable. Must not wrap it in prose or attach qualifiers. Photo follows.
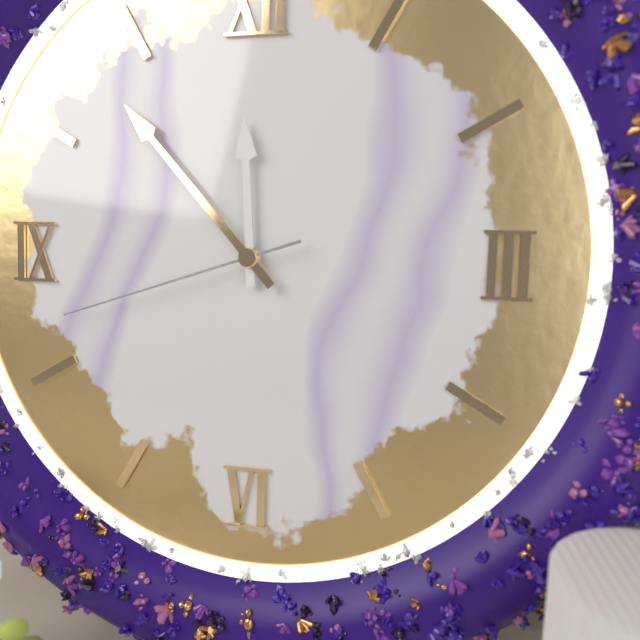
11.53.42
